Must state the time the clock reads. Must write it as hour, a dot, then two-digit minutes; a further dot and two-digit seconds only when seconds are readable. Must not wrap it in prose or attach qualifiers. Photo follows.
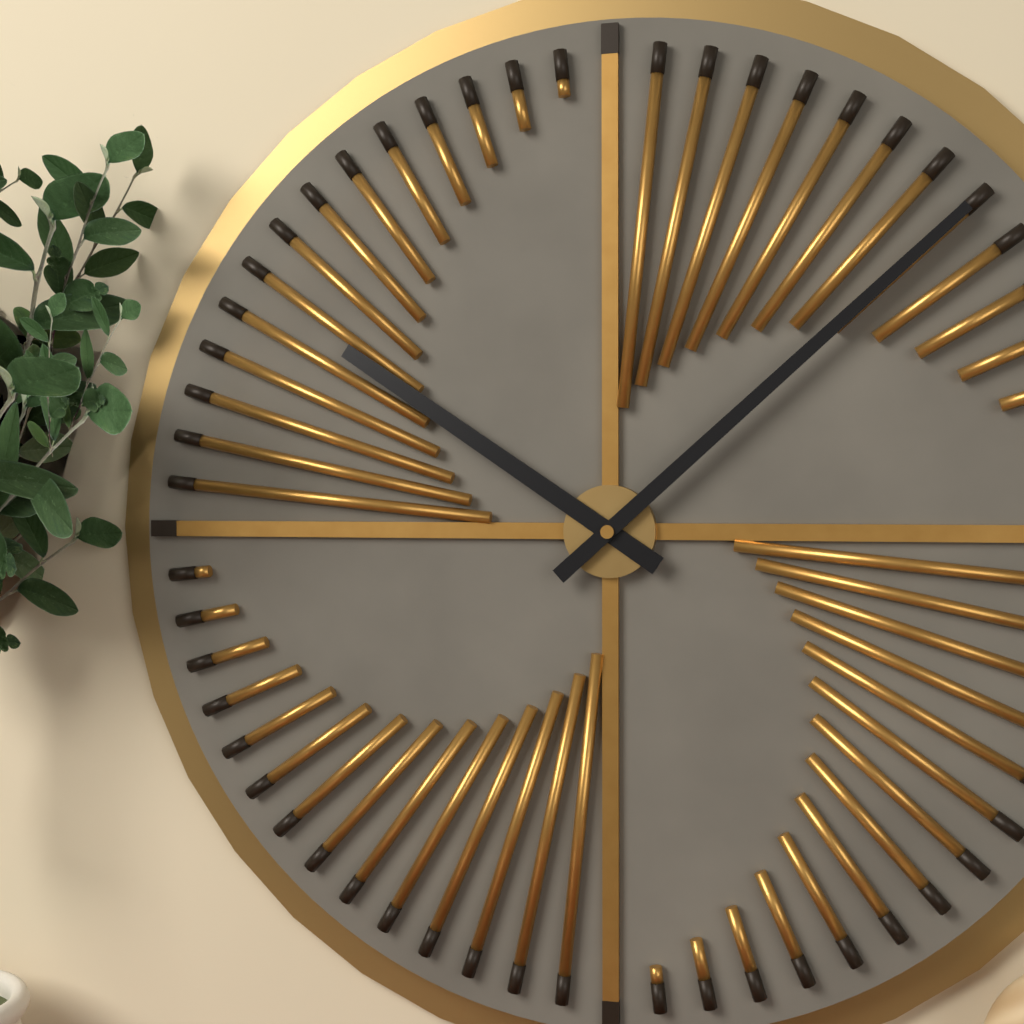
10.08
